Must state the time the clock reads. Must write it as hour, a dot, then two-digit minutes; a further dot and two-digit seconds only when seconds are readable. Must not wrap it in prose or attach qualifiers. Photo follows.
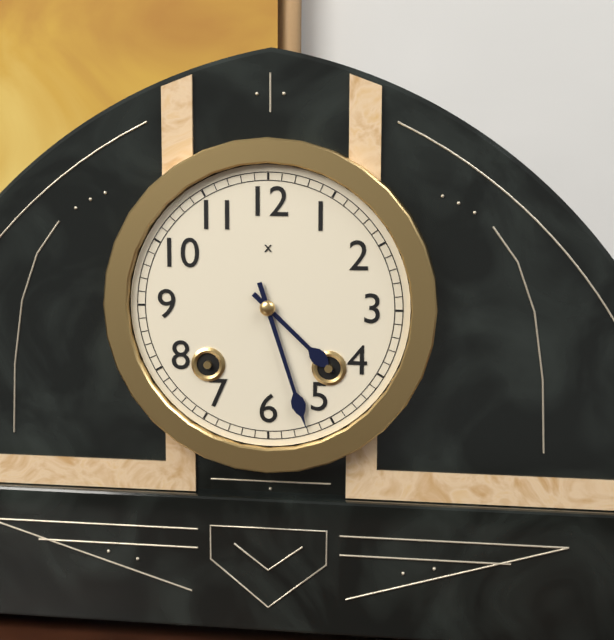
4.27
